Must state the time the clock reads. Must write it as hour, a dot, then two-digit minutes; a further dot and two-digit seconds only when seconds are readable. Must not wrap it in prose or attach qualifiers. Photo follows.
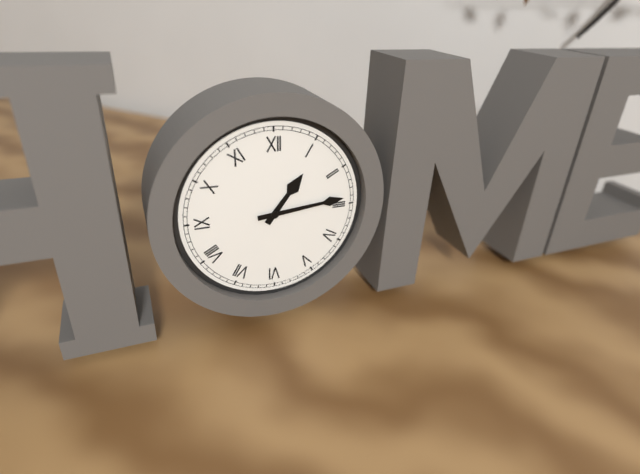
1.14
